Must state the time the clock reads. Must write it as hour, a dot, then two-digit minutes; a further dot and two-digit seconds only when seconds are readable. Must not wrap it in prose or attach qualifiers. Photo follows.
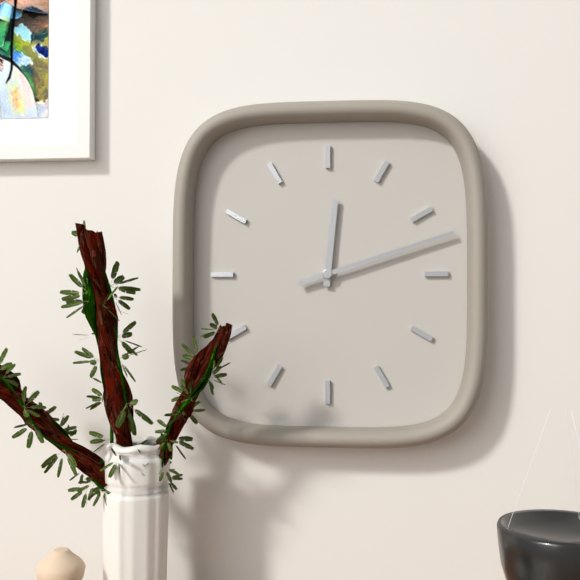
12.12
